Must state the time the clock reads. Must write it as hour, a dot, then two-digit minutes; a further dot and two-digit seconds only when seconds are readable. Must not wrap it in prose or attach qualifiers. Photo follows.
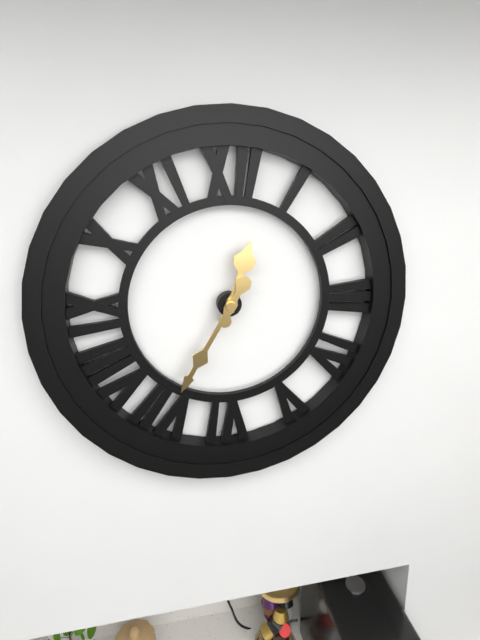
12.35
